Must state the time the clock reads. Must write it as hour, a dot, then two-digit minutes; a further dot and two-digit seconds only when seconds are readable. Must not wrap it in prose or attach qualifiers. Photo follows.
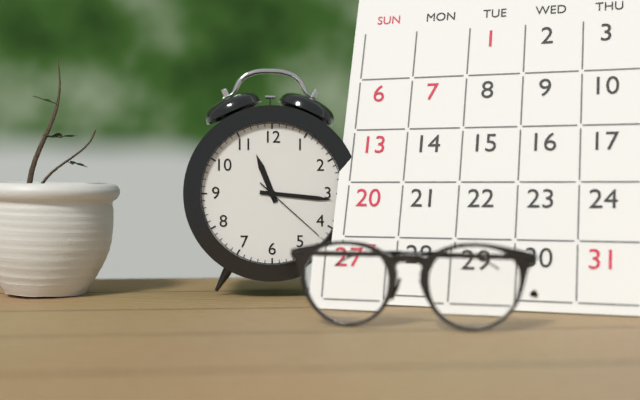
11.16.22
